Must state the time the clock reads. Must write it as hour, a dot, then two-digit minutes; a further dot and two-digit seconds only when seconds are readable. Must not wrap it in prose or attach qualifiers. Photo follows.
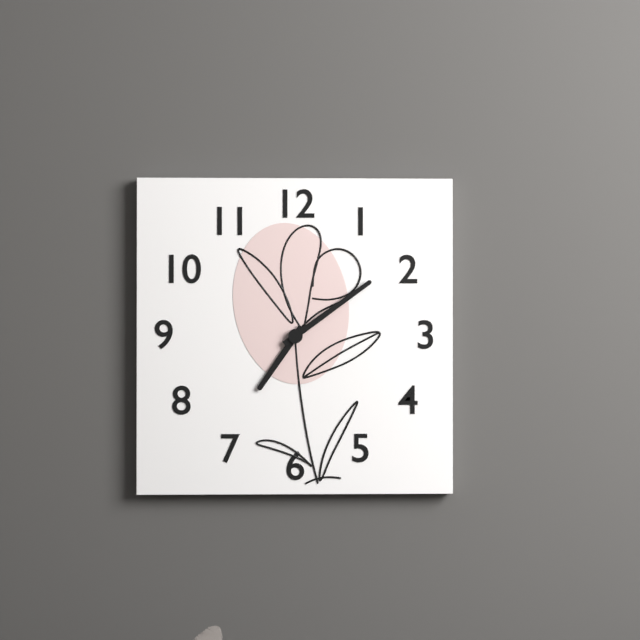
7.09
